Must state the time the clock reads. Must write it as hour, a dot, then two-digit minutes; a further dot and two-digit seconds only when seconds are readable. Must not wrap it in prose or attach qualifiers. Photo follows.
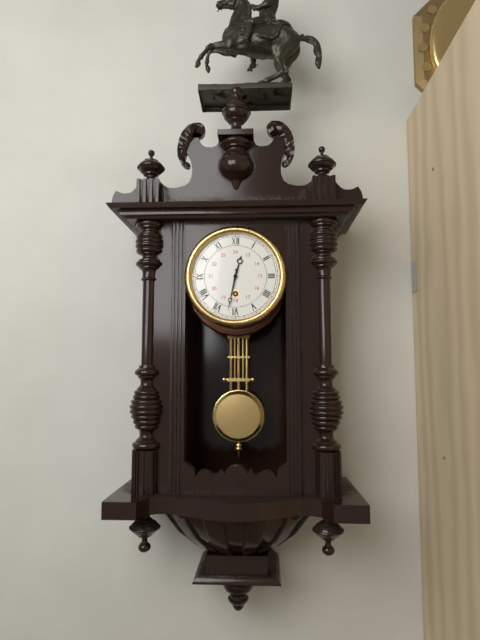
12.32
